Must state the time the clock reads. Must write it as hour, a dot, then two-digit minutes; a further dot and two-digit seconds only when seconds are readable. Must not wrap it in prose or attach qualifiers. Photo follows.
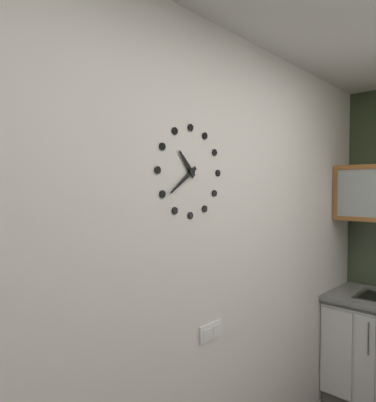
10.39
